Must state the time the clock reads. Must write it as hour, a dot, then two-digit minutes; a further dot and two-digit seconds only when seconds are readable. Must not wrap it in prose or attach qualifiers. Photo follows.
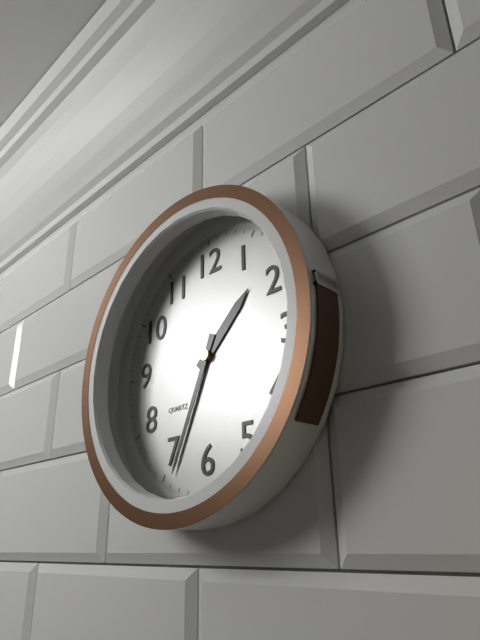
1.34
